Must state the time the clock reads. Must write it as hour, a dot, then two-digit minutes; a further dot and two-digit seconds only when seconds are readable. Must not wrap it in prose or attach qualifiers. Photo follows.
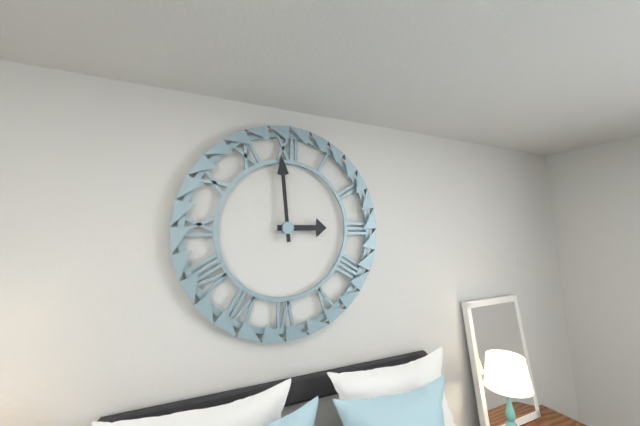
2.59
